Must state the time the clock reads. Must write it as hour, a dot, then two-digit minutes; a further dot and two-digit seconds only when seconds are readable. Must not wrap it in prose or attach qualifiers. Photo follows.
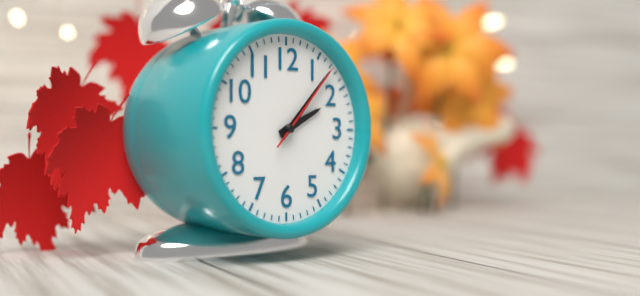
2.07.07
